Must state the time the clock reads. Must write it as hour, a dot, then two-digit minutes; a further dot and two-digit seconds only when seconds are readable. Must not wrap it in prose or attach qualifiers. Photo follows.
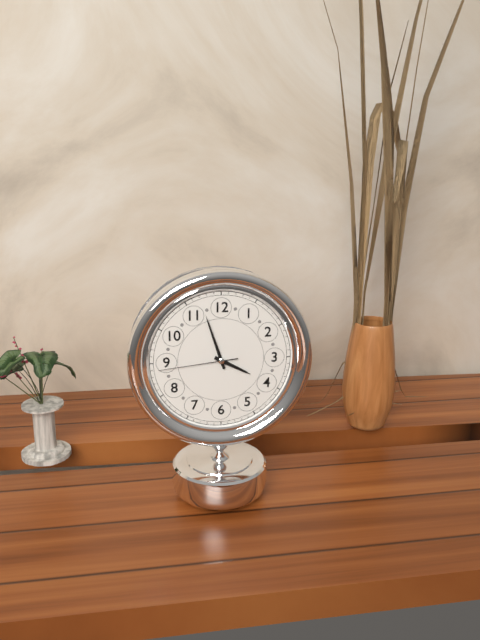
3.57.44
